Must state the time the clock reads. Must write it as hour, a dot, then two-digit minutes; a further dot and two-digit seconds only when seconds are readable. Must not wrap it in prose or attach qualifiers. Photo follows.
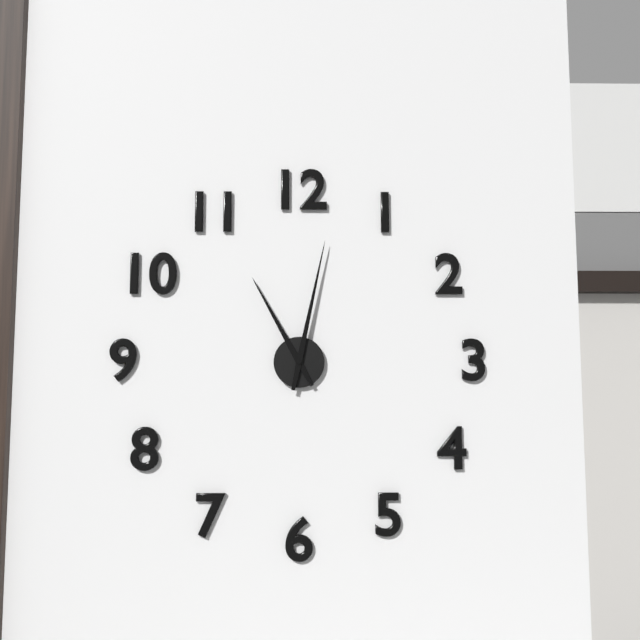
11.02
